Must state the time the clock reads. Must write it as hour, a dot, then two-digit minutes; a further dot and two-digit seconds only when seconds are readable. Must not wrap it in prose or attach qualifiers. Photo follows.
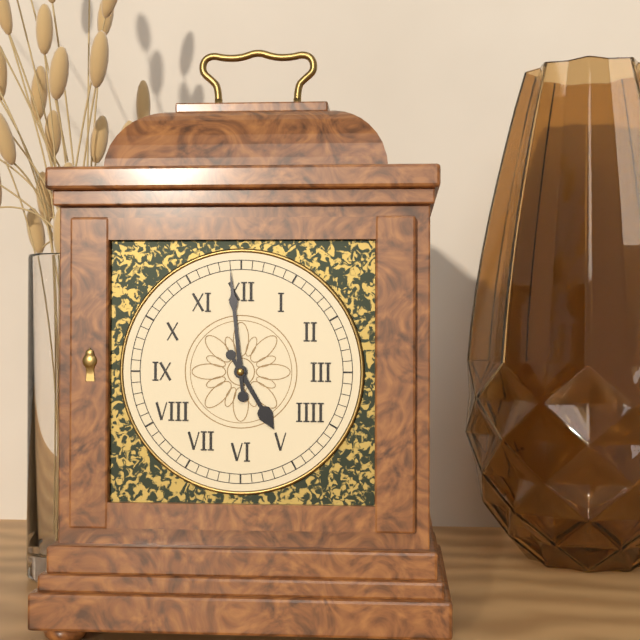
4.59
